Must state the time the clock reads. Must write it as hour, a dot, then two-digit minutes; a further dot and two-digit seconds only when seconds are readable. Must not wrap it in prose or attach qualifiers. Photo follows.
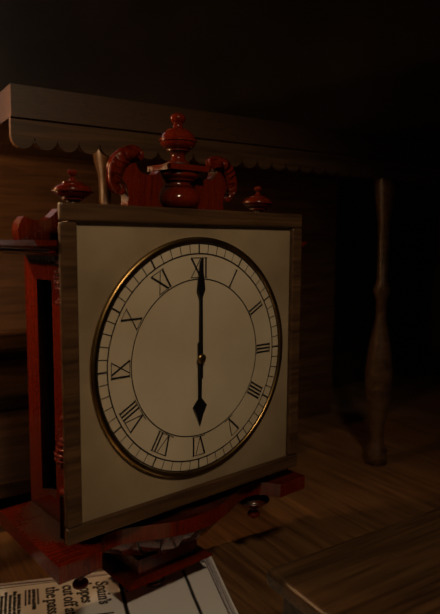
6.00
